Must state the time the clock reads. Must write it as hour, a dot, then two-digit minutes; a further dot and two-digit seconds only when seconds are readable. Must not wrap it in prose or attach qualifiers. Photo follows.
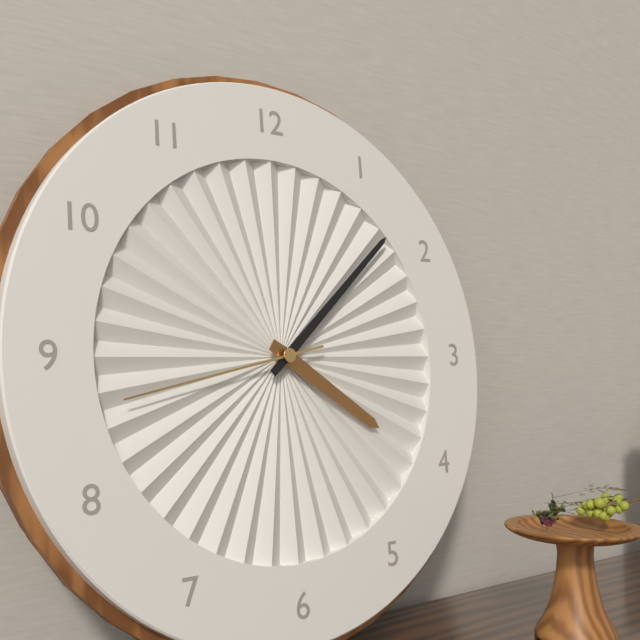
4.08.43
